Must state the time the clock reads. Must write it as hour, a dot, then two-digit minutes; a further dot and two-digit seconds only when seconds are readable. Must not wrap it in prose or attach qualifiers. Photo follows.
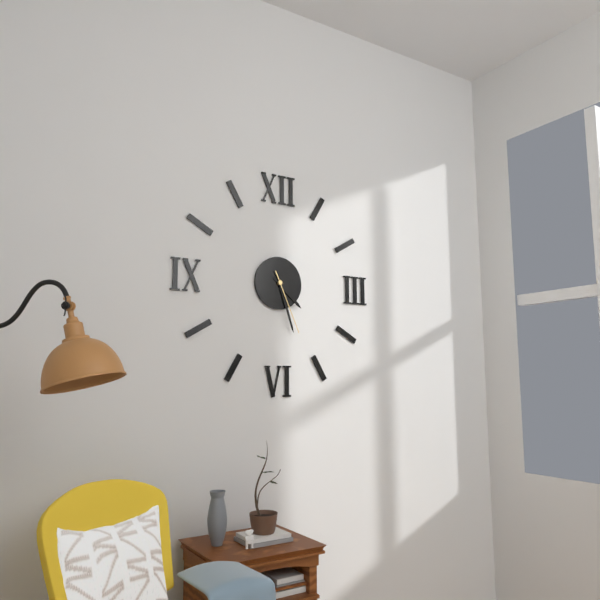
4.27.26
